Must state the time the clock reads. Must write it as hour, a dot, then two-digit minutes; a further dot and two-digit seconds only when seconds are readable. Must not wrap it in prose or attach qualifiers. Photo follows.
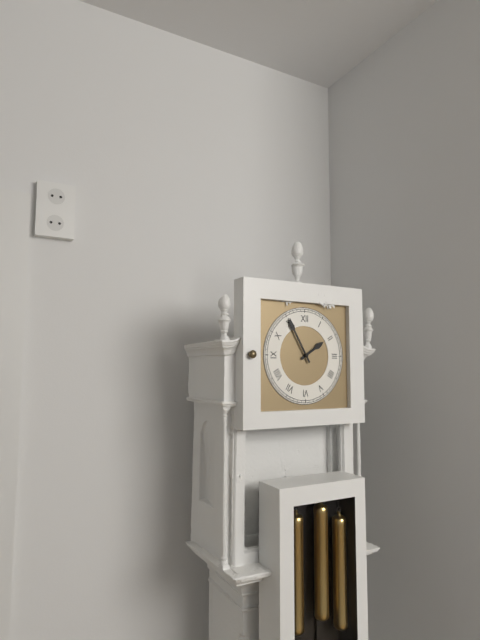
1.55
